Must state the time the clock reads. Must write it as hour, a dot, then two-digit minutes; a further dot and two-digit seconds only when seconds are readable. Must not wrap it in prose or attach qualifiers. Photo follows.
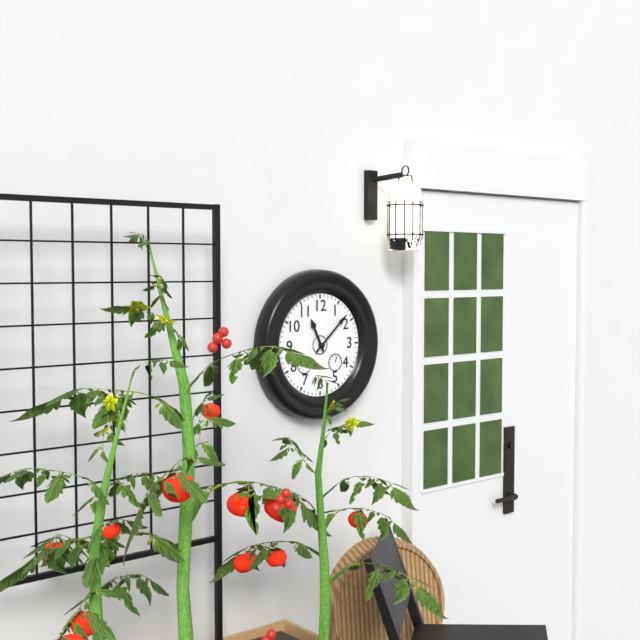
11.08
